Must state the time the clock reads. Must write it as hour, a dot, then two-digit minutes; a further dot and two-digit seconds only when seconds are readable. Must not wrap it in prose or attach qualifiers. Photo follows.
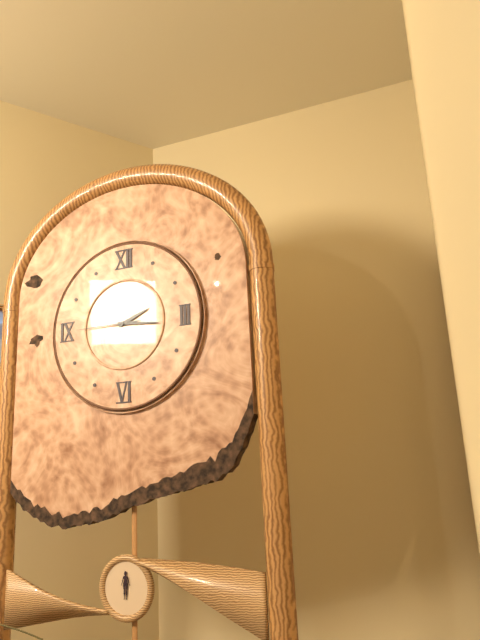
2.16.45
